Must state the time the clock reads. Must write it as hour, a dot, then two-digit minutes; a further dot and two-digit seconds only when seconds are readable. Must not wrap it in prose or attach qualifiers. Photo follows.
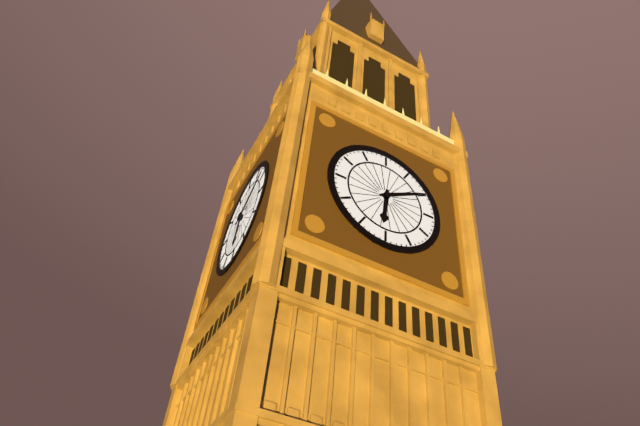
6.10
